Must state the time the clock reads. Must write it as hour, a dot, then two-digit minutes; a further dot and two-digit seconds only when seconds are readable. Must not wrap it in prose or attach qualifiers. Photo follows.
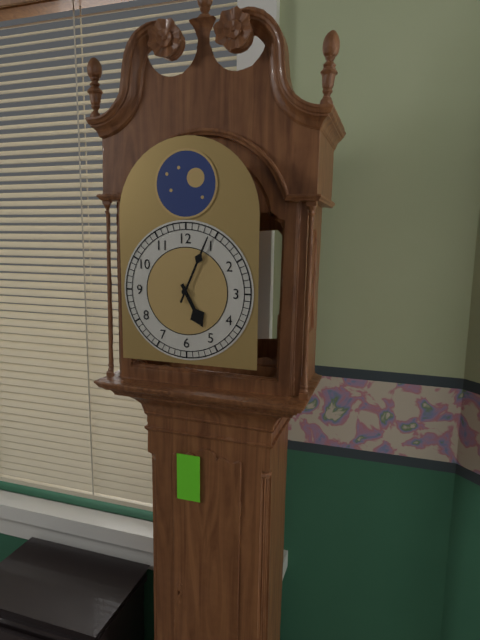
5.04
